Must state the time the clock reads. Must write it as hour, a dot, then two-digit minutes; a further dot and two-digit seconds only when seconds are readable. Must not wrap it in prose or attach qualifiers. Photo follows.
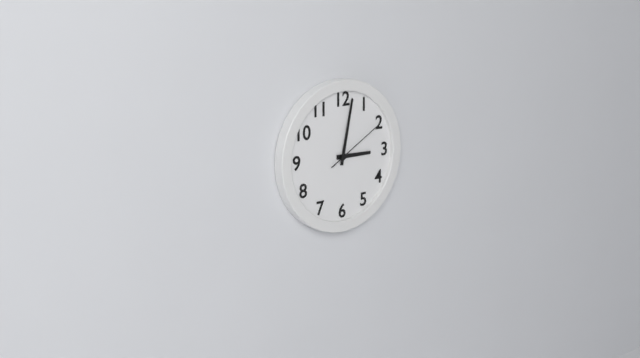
3.02.10
